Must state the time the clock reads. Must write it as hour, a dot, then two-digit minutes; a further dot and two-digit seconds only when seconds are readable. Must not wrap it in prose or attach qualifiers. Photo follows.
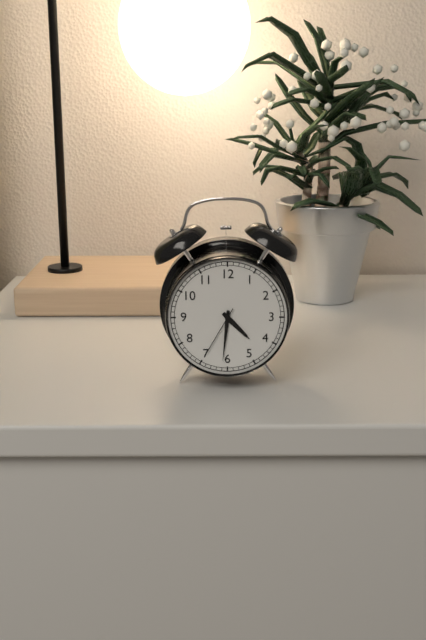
4.31.35
